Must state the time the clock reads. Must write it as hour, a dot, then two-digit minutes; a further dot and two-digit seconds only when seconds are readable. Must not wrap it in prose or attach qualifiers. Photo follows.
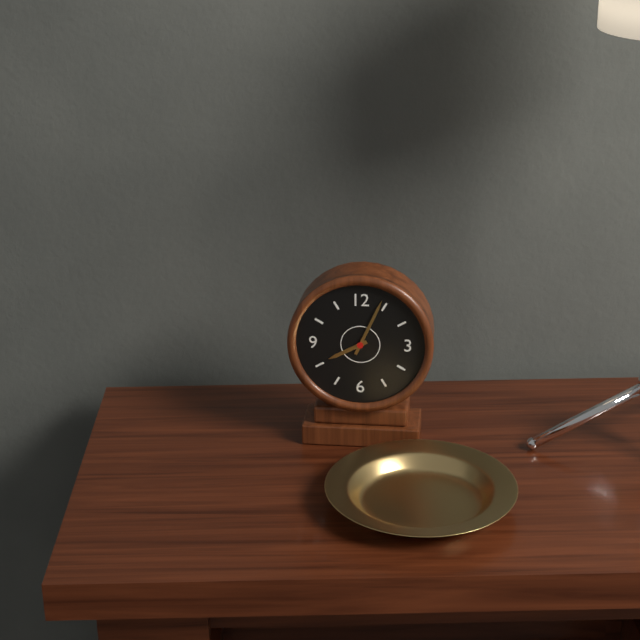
8.04
